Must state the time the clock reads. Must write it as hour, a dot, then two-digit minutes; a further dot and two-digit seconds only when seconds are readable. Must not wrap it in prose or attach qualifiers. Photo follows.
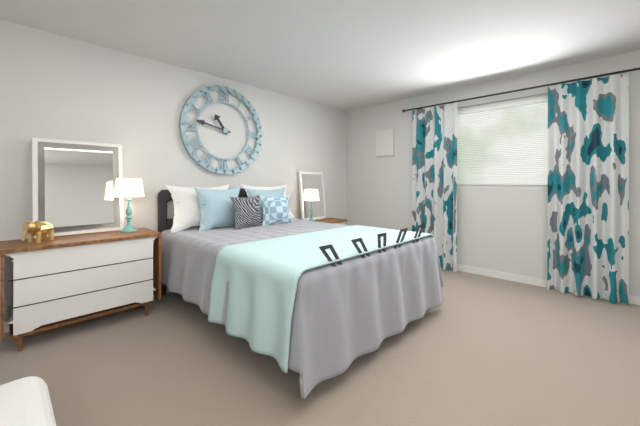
10.47
